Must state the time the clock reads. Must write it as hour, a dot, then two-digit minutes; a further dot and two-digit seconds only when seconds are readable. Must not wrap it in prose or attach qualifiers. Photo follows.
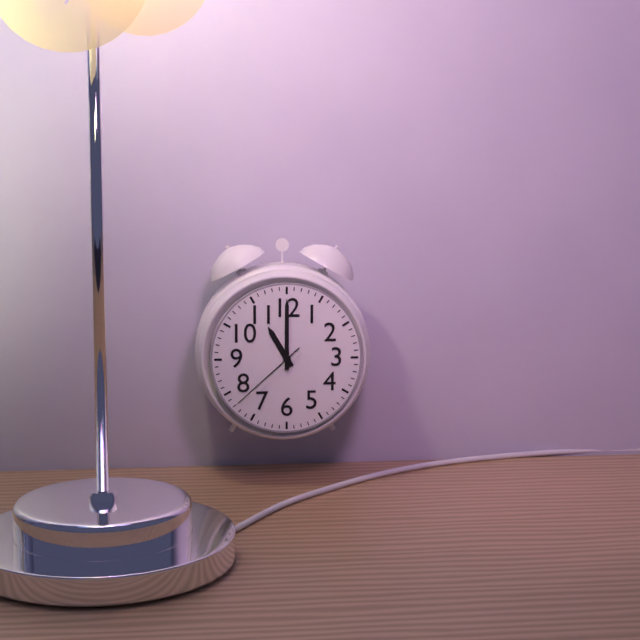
11.00.38
